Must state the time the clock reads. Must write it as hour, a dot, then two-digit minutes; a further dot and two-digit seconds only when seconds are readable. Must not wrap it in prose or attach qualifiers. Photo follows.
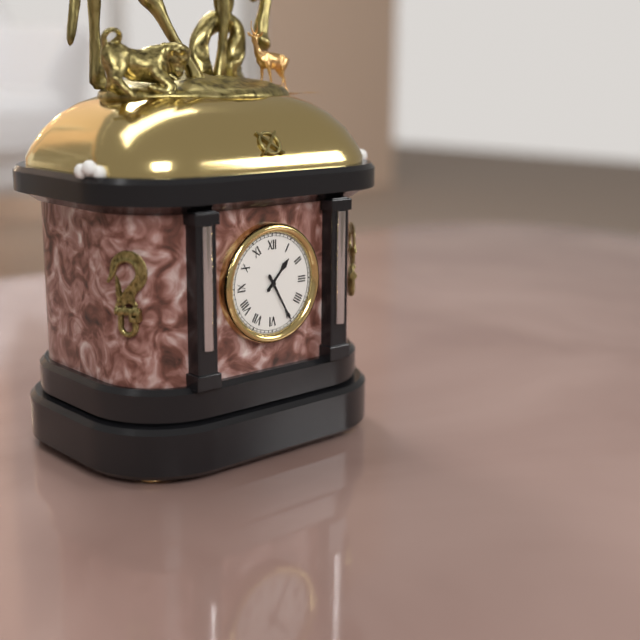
1.25
